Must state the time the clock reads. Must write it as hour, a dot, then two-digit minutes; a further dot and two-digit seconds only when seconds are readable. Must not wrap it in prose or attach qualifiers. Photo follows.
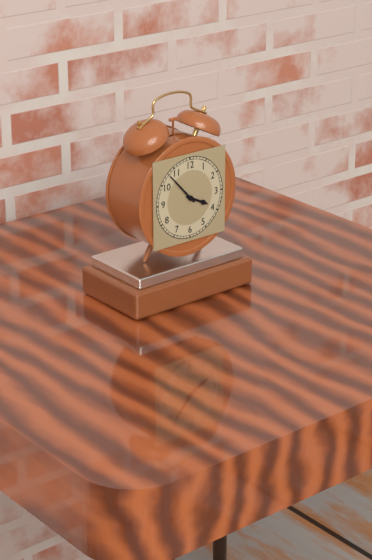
3.53
